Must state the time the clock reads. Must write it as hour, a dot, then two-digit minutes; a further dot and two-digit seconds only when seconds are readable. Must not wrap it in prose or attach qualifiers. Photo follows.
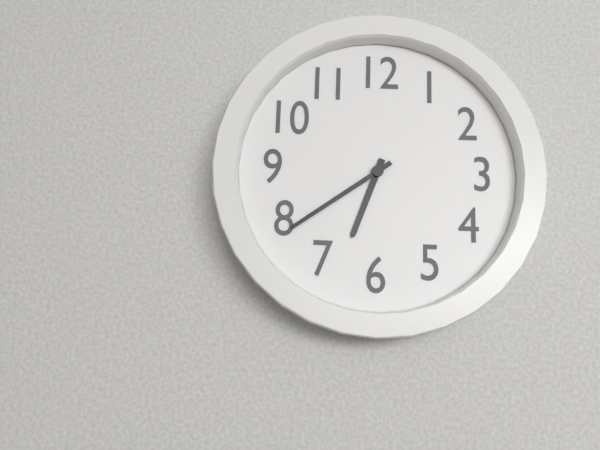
6.39
